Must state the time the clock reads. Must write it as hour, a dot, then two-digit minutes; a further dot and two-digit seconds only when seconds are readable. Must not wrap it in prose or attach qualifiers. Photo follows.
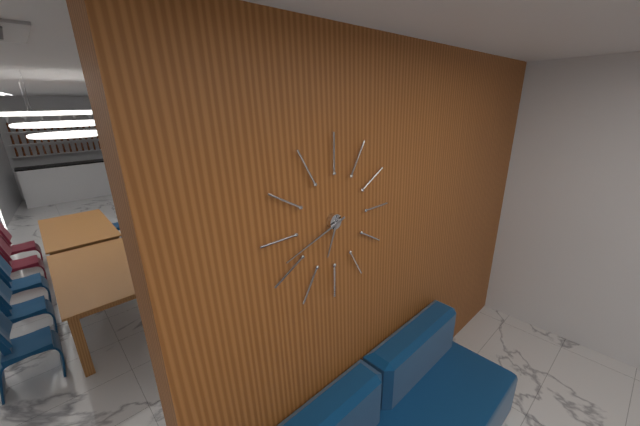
6.42
